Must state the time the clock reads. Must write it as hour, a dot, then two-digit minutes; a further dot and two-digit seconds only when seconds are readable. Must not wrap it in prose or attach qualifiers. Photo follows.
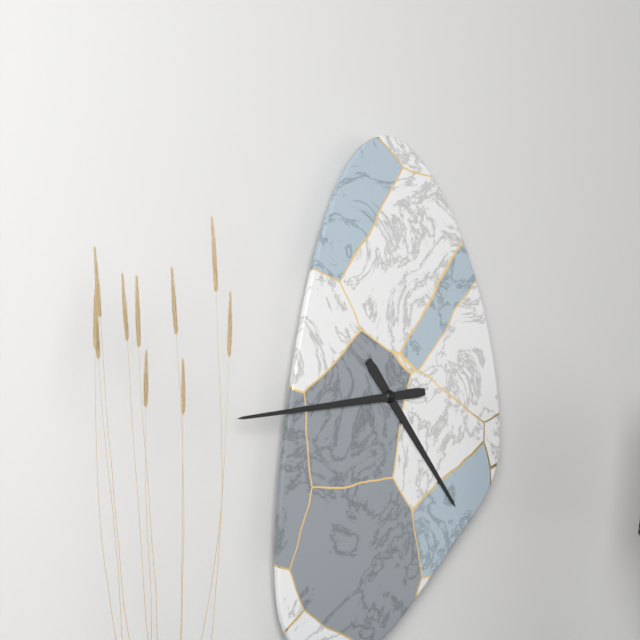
4.44
